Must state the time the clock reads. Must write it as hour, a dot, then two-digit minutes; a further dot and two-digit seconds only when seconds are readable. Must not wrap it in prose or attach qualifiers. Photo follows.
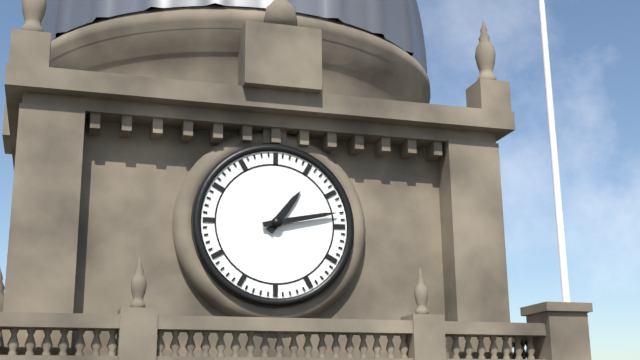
1.13
